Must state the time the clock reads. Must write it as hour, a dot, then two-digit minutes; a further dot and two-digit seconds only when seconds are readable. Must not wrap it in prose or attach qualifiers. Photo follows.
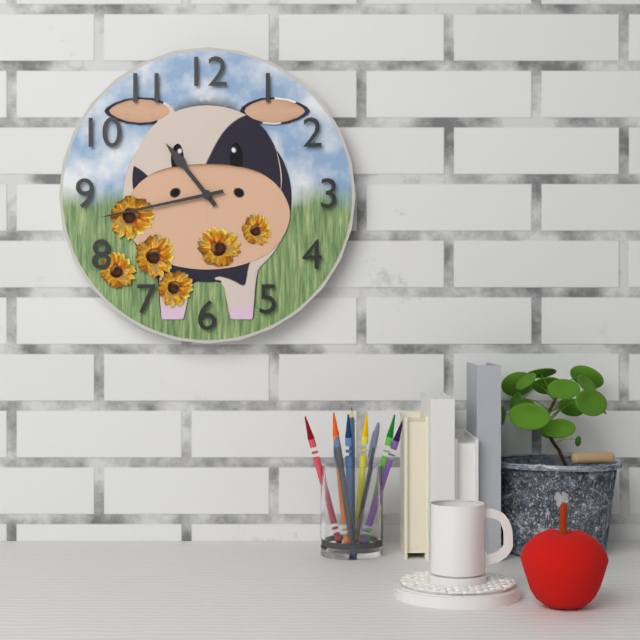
10.43
